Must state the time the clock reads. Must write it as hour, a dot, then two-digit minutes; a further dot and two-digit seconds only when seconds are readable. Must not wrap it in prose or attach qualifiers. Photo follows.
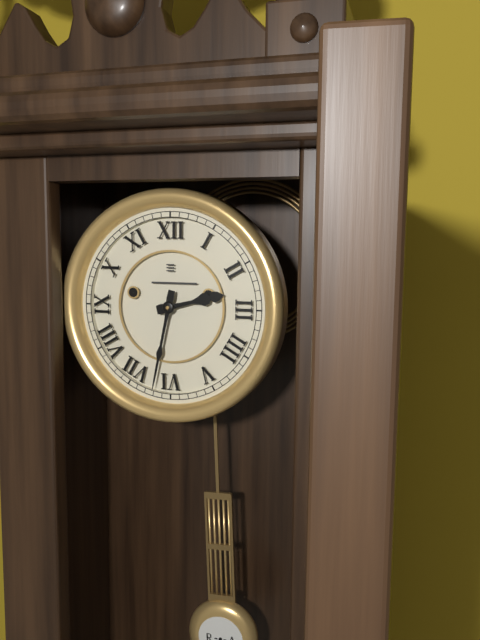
2.32
